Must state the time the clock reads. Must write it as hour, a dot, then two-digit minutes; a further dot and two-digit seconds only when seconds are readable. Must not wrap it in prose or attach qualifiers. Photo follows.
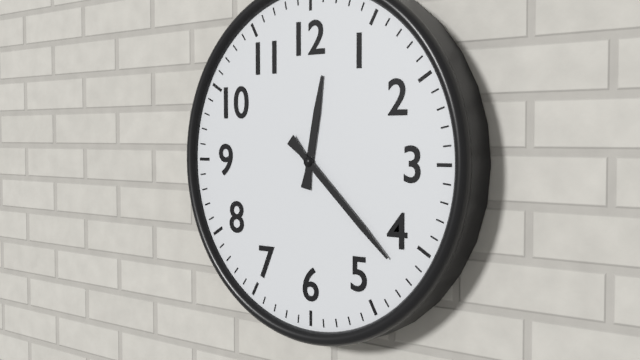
12.22
